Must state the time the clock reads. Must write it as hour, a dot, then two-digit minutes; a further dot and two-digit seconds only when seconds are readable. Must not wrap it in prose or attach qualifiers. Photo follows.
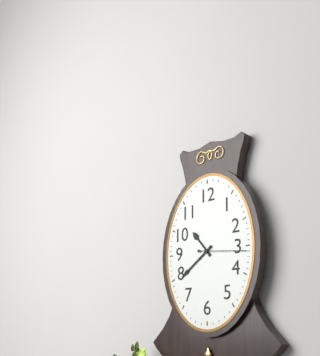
10.39.16
